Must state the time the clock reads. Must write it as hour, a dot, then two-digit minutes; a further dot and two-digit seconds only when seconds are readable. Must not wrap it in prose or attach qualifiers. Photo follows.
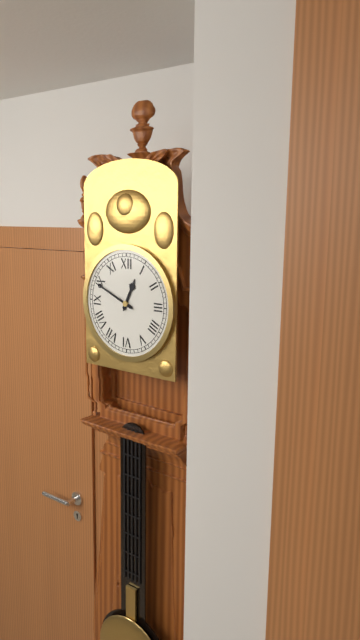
12.49
